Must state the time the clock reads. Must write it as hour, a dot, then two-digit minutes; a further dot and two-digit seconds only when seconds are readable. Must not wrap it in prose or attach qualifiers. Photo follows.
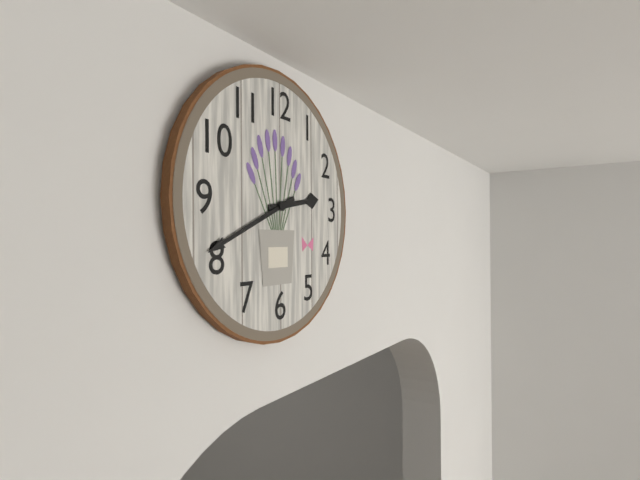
2.41
